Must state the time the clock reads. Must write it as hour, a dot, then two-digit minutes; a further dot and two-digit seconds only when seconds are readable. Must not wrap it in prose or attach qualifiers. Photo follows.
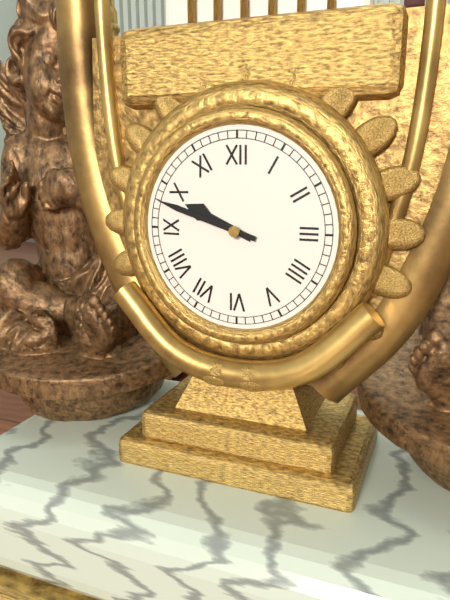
9.48
